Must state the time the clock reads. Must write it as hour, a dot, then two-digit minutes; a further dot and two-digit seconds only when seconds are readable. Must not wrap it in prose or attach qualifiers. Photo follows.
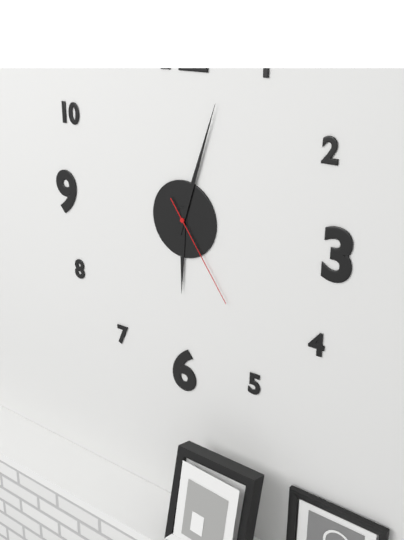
6.03.24
